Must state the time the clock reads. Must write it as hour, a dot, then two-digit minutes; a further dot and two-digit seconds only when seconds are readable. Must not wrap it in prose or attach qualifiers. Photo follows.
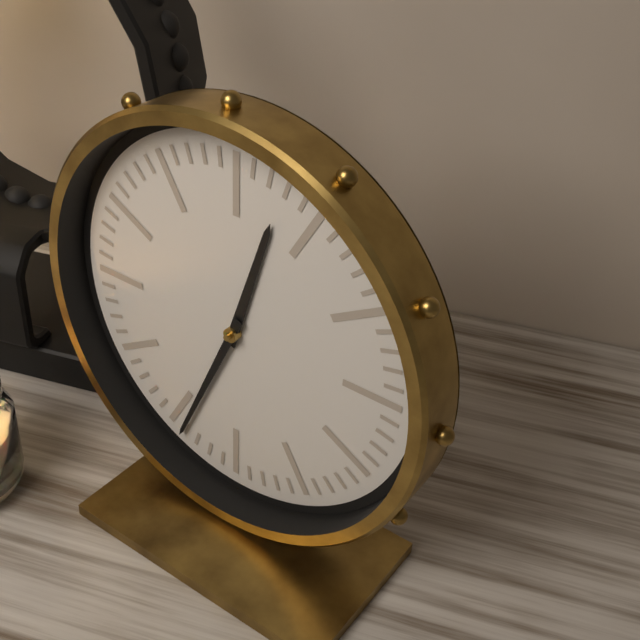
12.34
